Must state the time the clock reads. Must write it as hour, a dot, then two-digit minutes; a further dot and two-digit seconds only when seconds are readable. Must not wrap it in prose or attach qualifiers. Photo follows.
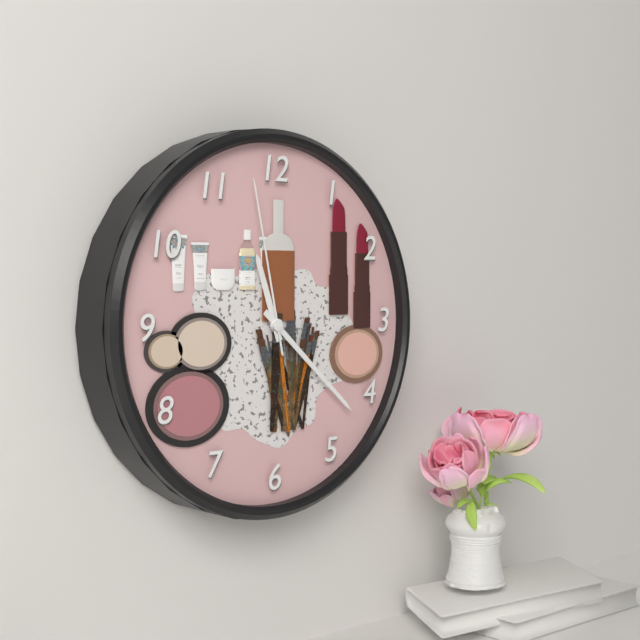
11.22.58
